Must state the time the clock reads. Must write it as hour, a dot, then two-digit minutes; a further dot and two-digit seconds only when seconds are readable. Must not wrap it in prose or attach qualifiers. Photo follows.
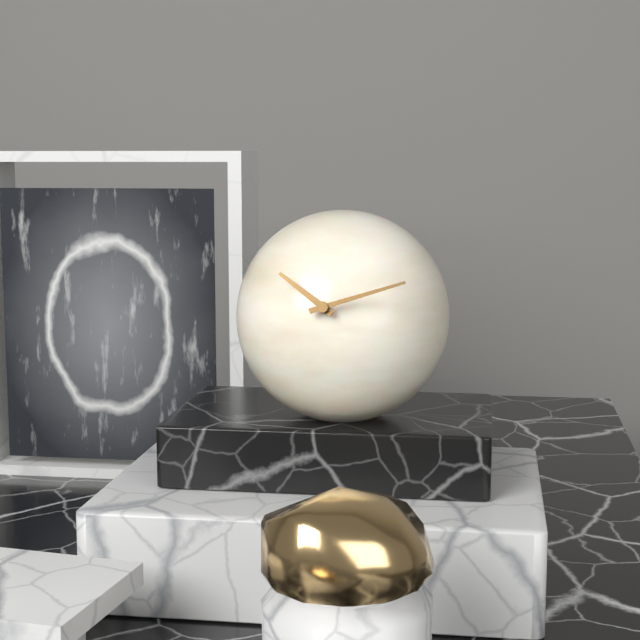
10.12
